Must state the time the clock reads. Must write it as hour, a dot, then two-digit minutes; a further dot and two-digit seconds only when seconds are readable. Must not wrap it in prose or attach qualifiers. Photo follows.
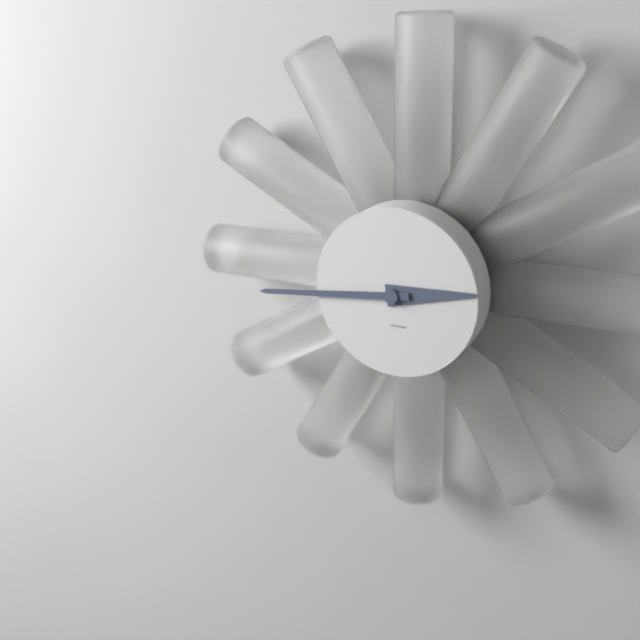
2.44
